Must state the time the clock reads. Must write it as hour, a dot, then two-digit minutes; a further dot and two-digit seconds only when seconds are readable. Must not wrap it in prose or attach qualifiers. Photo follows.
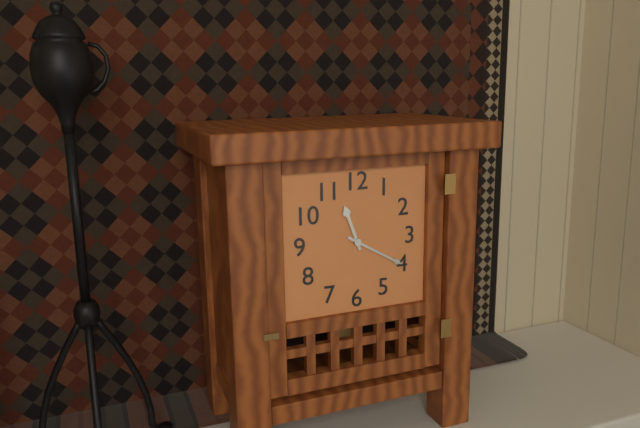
11.20
